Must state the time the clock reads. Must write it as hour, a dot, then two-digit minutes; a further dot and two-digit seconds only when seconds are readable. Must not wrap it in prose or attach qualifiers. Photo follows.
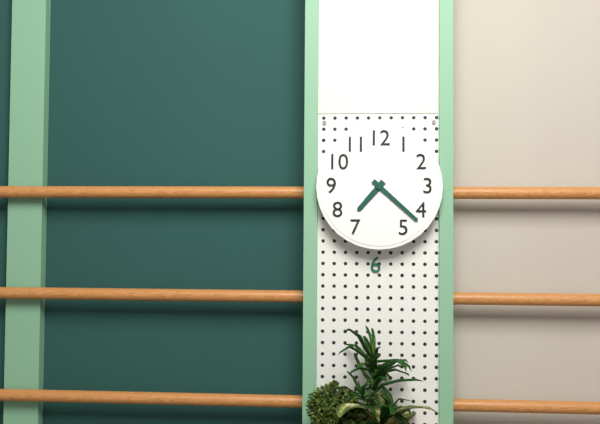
7.22
